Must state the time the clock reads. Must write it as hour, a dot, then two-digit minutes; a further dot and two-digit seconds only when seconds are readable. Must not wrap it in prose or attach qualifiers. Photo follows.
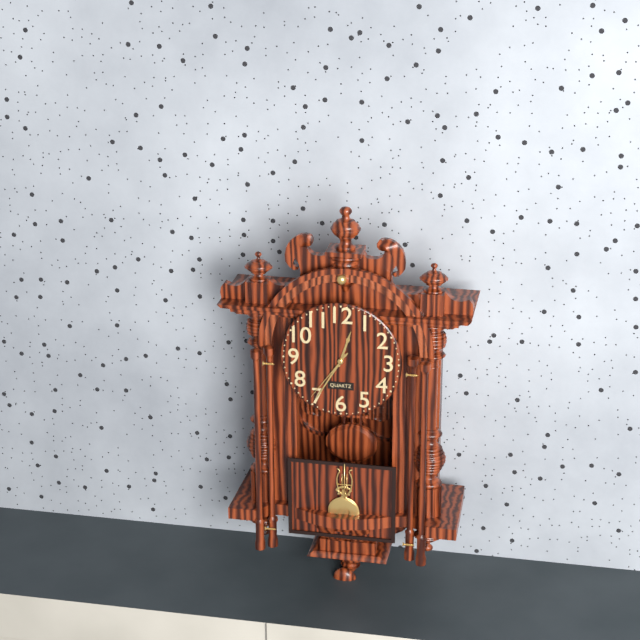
12.35.36
